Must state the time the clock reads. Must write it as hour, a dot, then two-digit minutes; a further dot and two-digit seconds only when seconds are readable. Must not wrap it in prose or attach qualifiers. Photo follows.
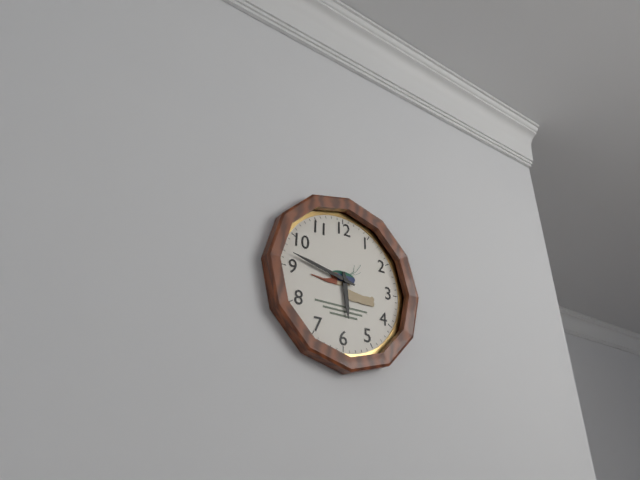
5.47
